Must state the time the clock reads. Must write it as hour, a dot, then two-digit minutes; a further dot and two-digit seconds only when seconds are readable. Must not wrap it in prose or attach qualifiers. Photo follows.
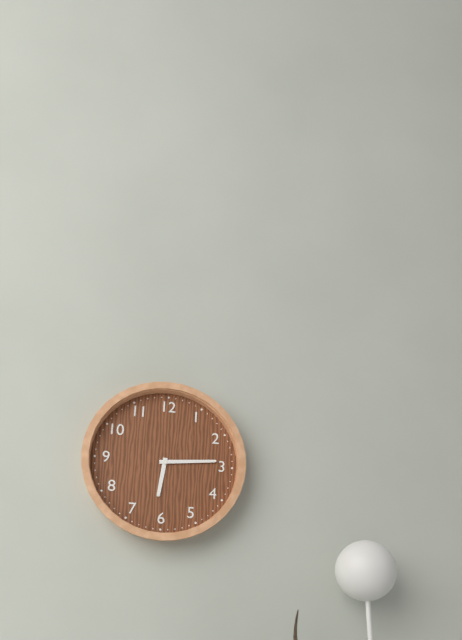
6.14
